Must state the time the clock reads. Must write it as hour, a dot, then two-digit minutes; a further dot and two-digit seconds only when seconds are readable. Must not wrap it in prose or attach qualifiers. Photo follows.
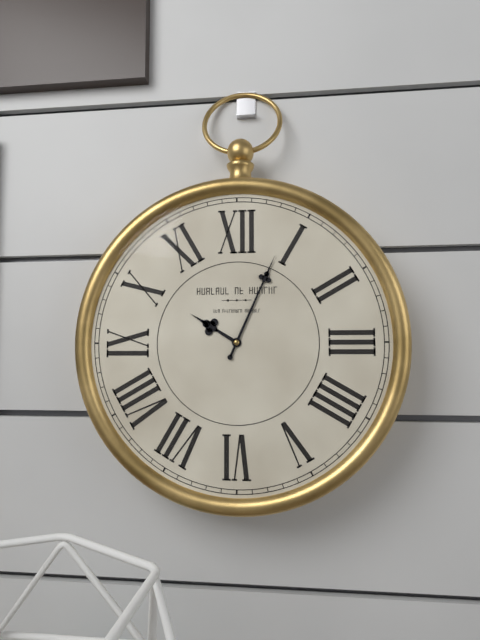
10.04
